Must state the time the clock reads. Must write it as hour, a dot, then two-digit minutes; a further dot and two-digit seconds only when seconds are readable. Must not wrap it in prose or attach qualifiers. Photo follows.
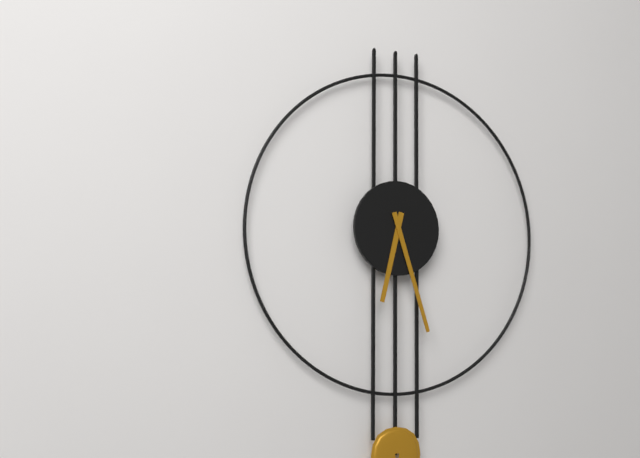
6.27
